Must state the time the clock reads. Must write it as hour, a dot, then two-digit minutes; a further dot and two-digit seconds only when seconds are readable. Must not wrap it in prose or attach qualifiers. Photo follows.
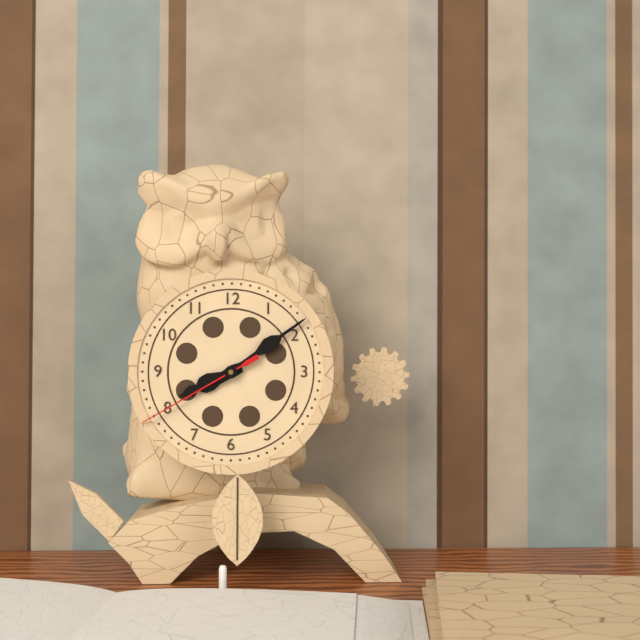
8.09.40
